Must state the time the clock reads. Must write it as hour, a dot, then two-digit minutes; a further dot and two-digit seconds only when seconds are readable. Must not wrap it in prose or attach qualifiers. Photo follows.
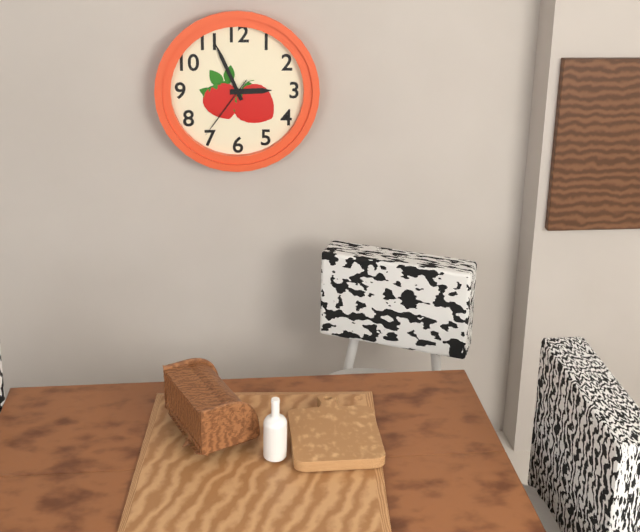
2.56.36
